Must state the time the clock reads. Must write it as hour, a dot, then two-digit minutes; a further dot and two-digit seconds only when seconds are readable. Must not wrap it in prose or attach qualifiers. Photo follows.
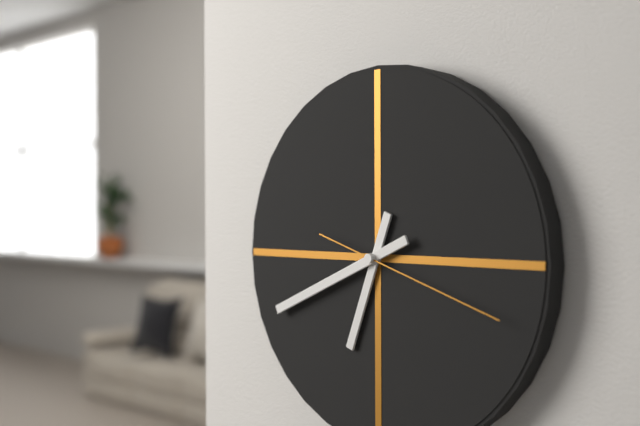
6.41.18
